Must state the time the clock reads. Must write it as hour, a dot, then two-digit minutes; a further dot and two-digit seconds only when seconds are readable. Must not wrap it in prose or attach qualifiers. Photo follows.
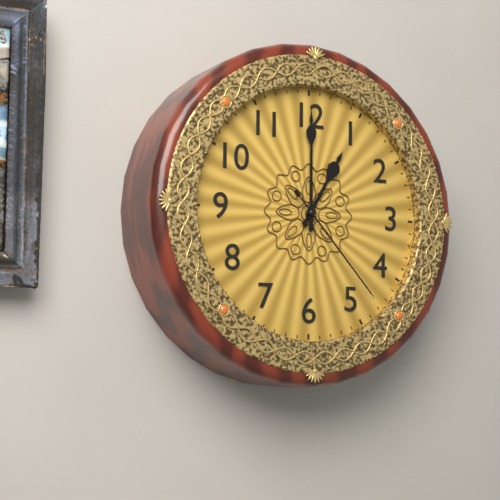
1.00.23
